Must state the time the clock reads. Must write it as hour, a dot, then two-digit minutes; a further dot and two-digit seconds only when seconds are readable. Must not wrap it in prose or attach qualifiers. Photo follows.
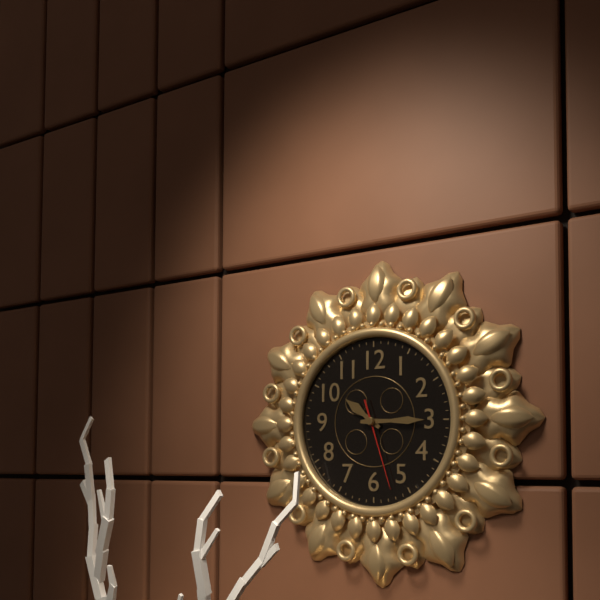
10.15.27
